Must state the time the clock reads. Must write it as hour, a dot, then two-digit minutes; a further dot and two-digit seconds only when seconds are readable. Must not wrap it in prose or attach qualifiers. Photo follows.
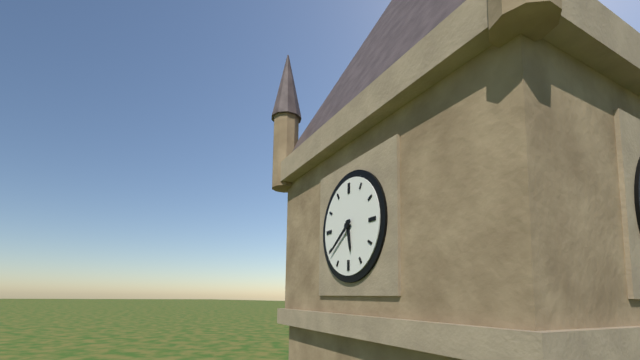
5.39
